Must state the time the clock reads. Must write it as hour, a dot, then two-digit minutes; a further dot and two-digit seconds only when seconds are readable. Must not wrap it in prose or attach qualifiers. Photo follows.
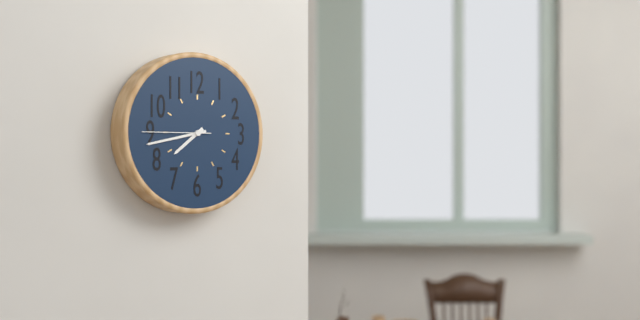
7.43.45
